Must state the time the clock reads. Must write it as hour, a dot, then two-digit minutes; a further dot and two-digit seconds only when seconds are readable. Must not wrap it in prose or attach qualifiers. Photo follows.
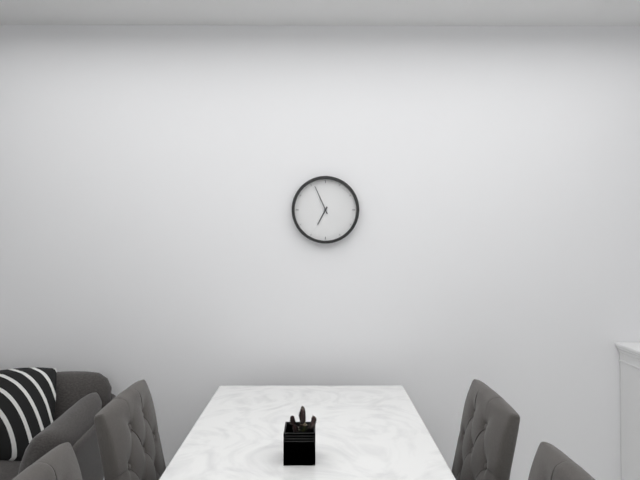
6.56
